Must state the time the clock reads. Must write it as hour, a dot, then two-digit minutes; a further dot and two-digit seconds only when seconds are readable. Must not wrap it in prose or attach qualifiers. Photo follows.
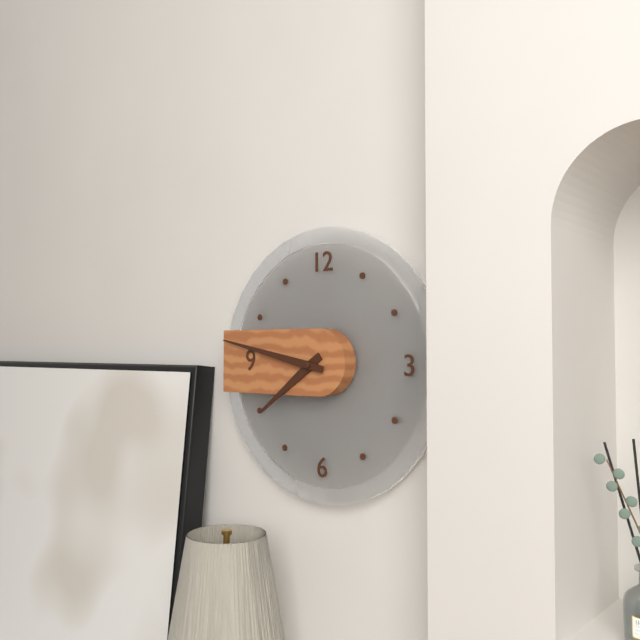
7.47
